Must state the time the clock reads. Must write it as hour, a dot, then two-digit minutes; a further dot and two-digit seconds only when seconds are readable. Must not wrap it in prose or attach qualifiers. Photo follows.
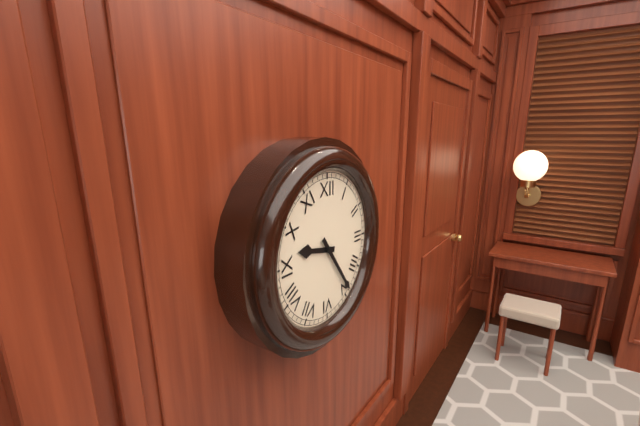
9.24
